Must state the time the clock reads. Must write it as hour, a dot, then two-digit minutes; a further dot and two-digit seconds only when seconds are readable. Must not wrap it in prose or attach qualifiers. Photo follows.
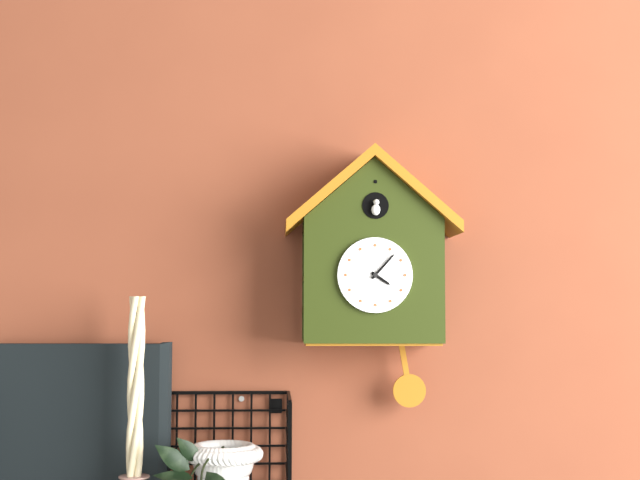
4.07
